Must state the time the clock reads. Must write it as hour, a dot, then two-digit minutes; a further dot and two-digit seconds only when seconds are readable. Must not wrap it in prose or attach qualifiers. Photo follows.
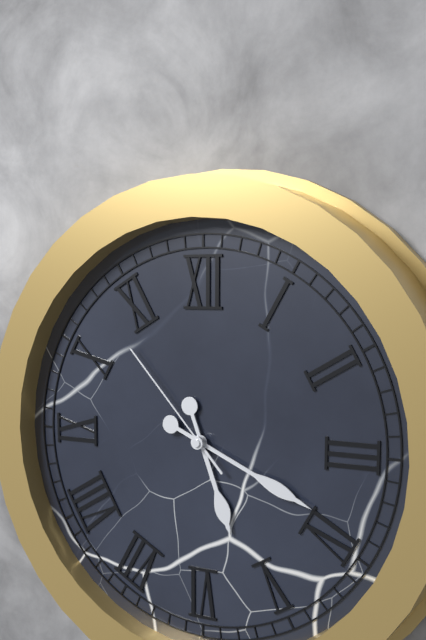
5.19.53
